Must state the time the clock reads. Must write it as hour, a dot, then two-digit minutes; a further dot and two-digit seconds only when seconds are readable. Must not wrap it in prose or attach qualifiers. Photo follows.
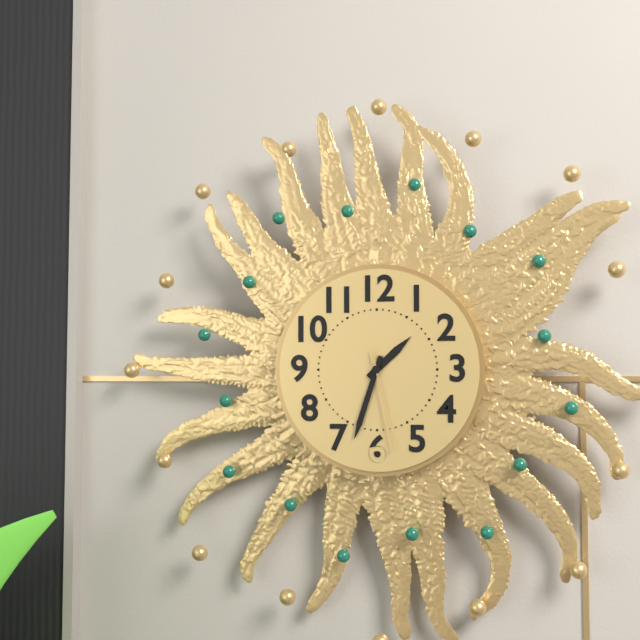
1.33.28
